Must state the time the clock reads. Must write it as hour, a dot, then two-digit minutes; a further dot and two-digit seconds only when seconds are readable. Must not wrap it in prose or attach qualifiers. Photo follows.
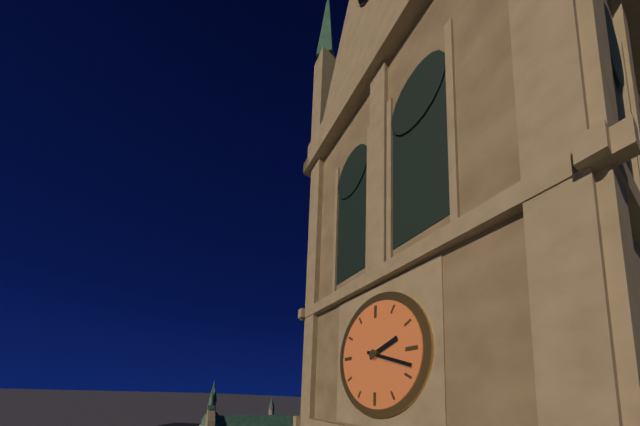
2.18
